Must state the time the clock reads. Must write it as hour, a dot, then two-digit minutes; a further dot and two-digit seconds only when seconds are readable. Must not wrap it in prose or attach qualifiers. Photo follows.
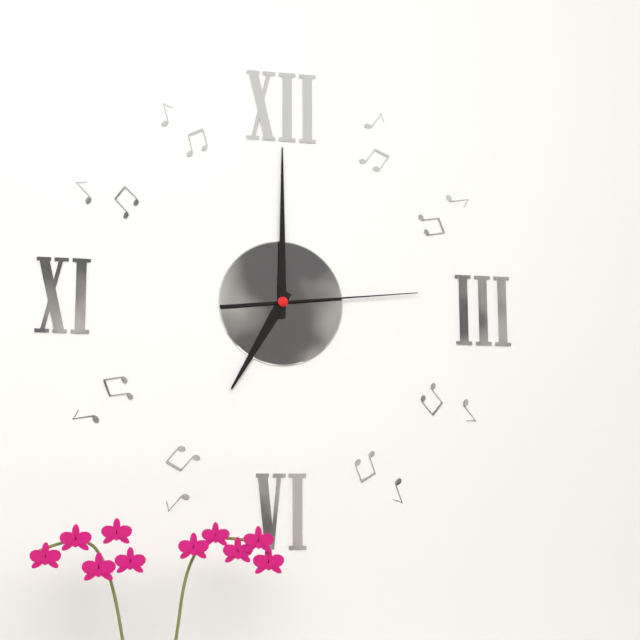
7.00.14
